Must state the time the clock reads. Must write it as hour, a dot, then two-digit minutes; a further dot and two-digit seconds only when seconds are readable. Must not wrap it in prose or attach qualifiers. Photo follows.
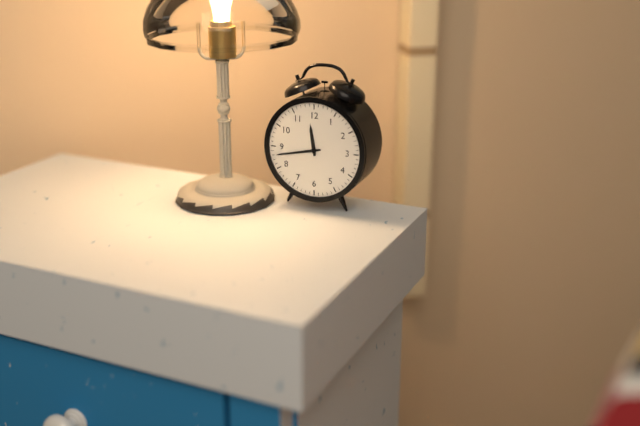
11.43
